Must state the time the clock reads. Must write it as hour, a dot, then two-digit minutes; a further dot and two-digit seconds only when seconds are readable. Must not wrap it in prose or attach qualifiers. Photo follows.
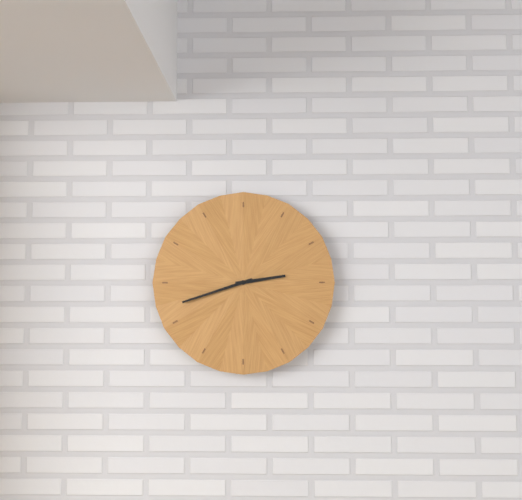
2.42
